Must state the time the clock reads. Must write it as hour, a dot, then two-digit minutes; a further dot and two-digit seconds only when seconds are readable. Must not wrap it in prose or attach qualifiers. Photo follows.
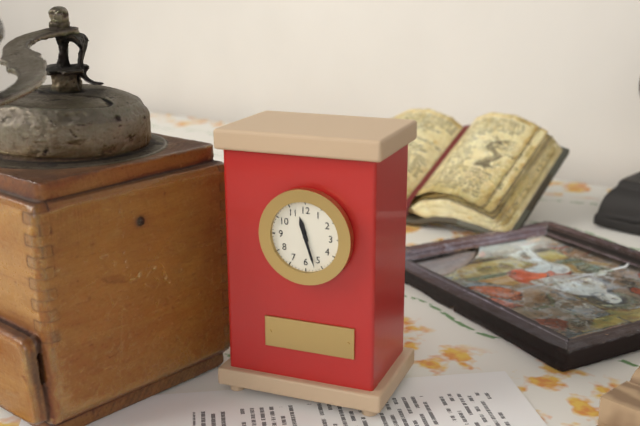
11.27
